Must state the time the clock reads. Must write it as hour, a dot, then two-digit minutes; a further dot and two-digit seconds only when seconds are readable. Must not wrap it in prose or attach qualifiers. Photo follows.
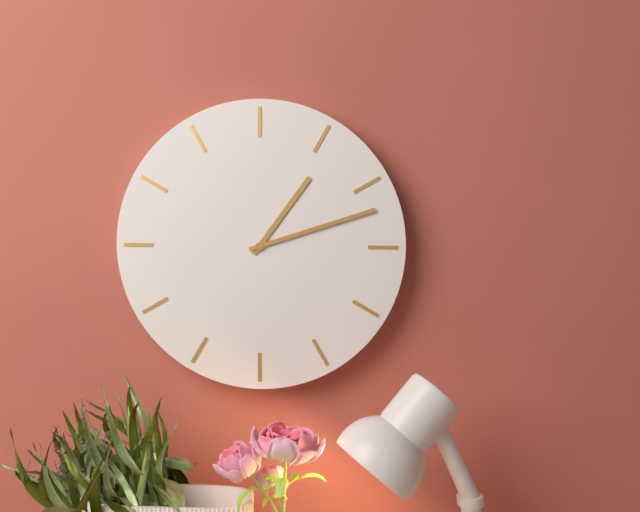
1.12
